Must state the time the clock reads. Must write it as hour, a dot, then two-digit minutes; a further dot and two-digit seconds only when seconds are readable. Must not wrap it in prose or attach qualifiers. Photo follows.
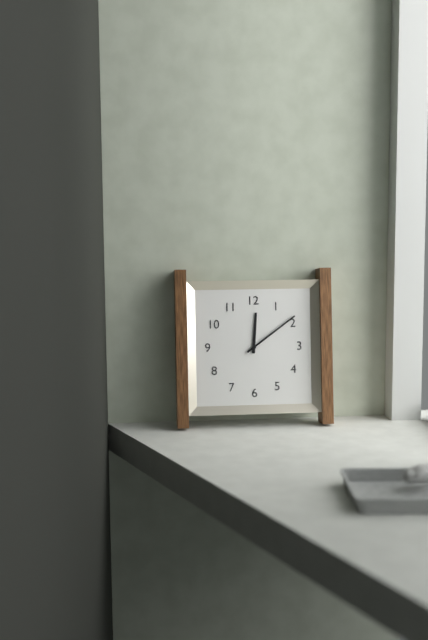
12.09
